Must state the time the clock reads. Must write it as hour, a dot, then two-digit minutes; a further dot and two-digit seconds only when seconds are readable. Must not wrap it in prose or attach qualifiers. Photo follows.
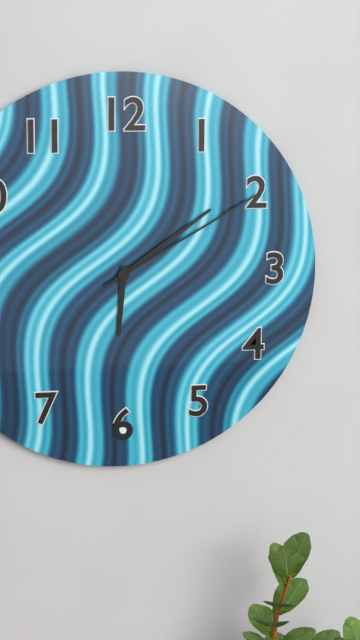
6.09.10
